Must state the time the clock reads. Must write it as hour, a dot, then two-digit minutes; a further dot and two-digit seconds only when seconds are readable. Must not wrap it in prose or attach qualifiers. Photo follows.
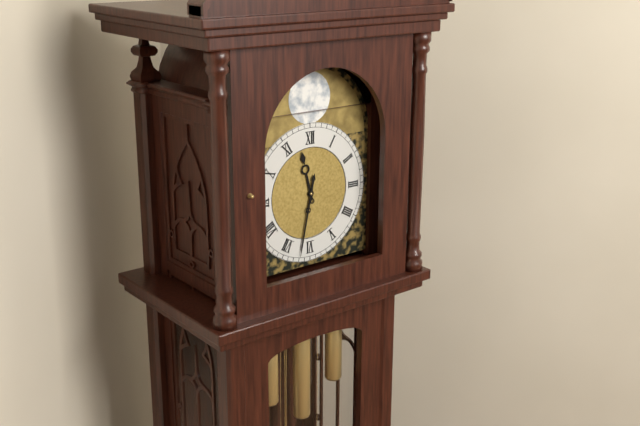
11.32
